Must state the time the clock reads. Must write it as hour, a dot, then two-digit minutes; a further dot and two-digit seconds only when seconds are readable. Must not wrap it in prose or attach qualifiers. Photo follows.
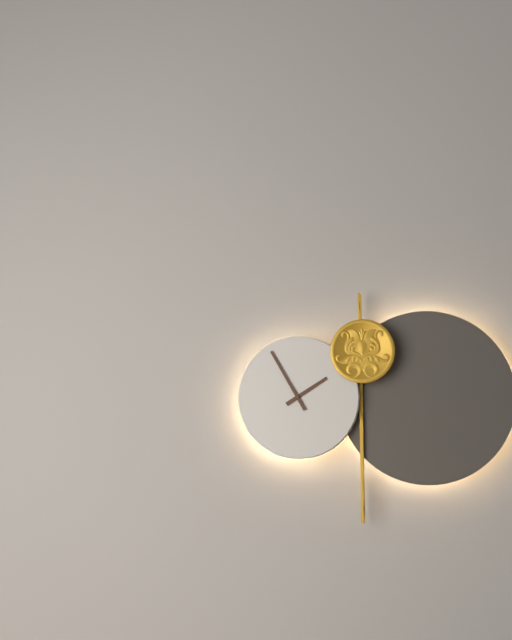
1.55
